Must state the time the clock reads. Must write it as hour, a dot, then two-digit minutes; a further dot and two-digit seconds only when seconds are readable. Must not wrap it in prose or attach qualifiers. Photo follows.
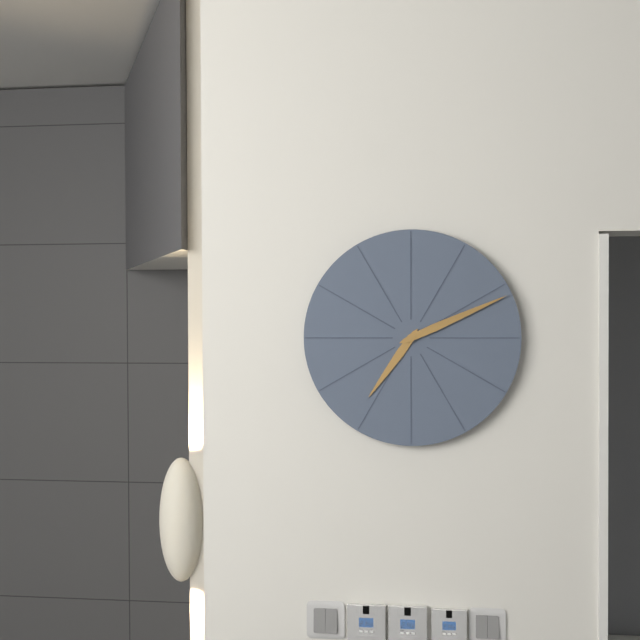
7.11
